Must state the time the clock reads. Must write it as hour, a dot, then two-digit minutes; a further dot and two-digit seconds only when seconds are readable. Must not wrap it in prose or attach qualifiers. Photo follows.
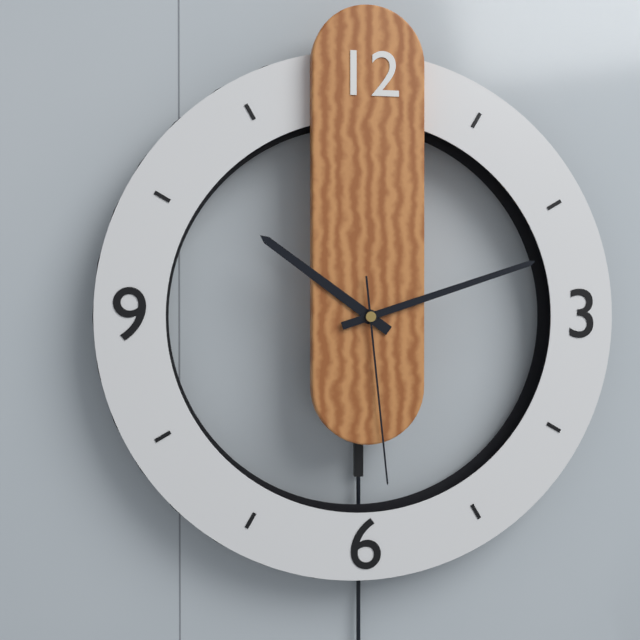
10.12.29
